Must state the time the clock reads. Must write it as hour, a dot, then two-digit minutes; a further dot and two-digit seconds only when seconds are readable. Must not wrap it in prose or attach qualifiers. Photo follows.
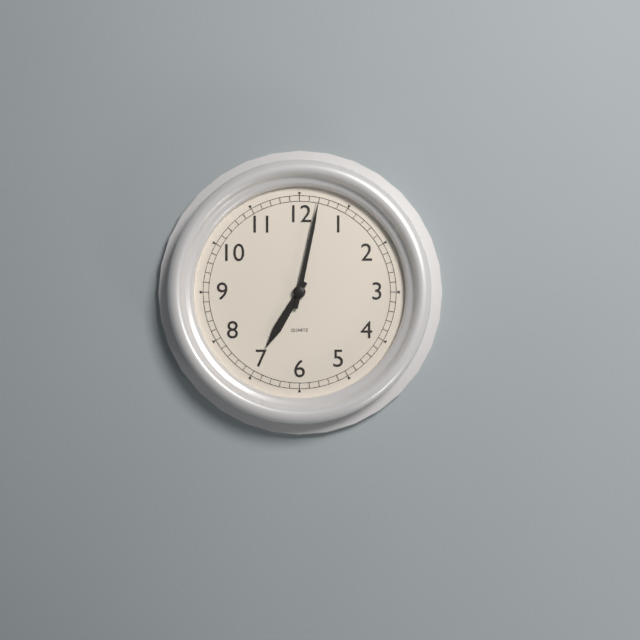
7.02
